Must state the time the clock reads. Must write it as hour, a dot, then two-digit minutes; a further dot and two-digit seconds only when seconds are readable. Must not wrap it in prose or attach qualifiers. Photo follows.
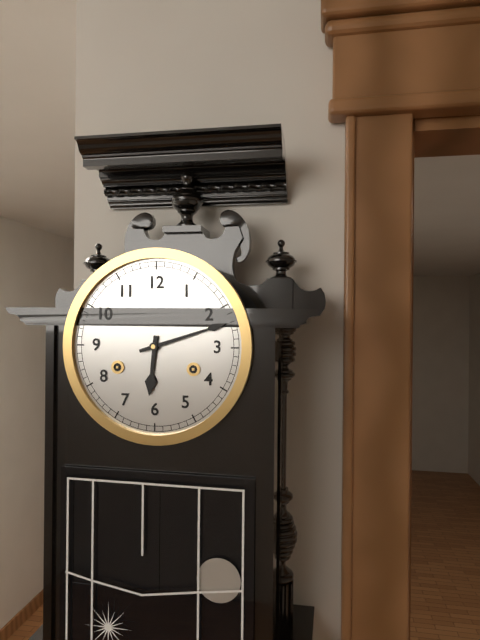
6.12
